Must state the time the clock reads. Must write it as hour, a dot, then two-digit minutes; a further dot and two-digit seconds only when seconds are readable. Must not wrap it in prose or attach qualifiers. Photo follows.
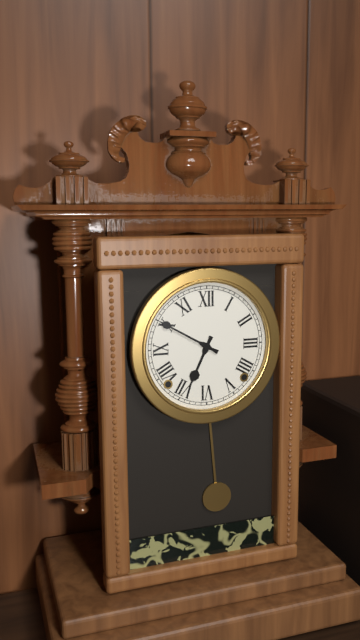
6.50
